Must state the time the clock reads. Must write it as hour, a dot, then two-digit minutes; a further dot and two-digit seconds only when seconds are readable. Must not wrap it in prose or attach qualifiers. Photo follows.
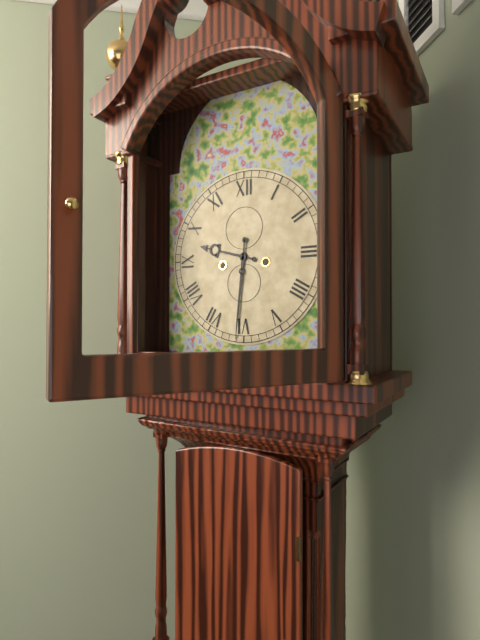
9.31
